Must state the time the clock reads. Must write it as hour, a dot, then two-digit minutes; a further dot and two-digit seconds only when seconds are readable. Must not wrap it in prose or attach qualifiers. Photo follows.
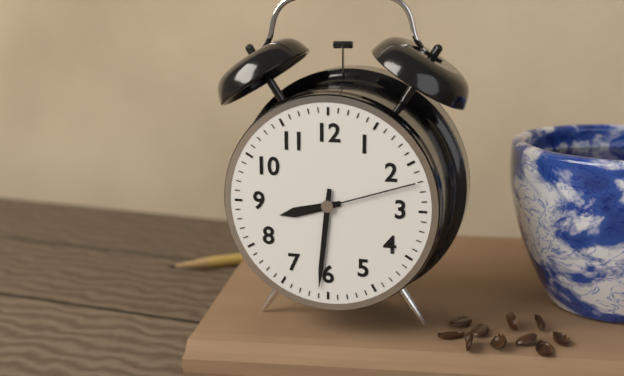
8.31.12
